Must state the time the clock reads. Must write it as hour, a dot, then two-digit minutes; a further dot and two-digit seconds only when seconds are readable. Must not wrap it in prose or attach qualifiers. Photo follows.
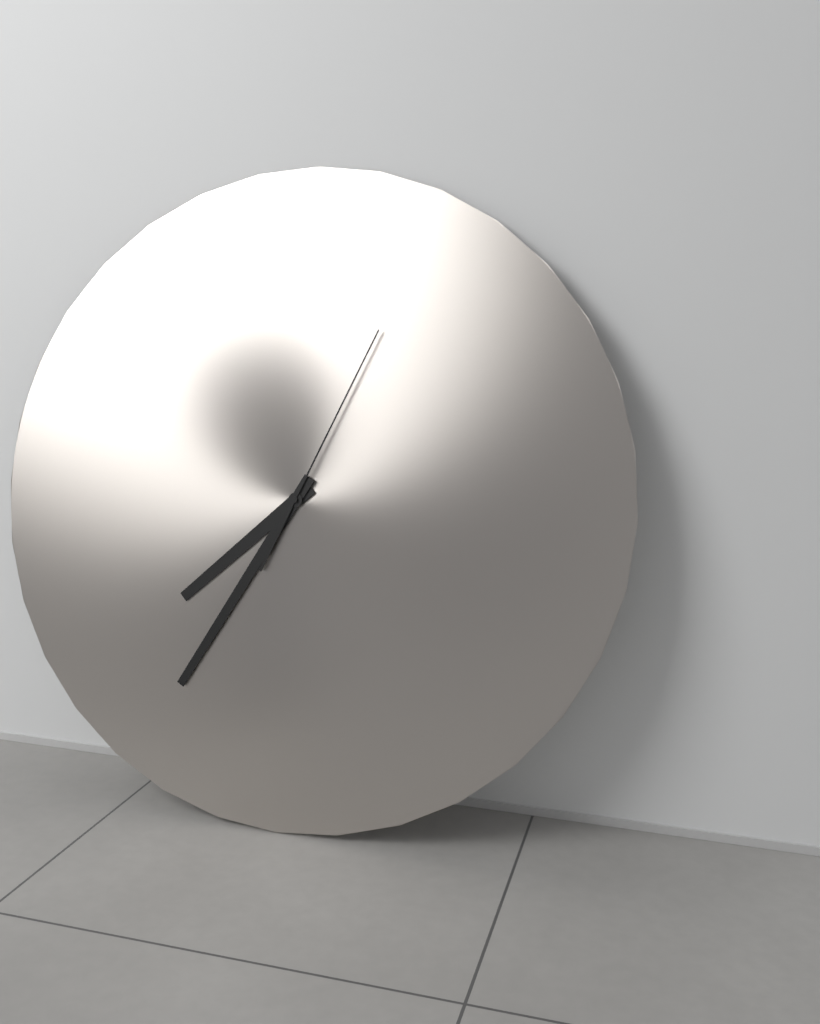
7.35.04
